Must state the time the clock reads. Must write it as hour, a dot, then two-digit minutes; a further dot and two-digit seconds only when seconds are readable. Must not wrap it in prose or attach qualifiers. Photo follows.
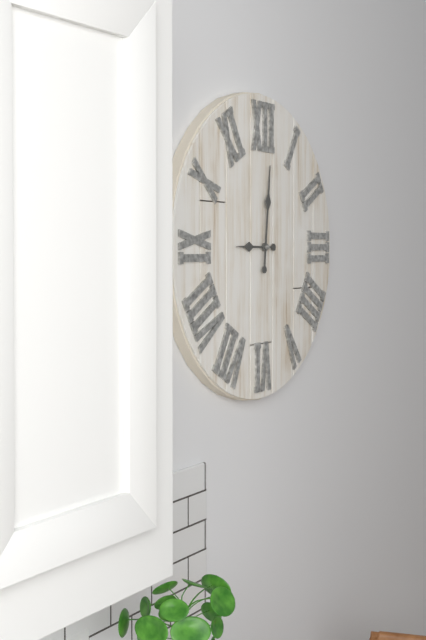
9.01
